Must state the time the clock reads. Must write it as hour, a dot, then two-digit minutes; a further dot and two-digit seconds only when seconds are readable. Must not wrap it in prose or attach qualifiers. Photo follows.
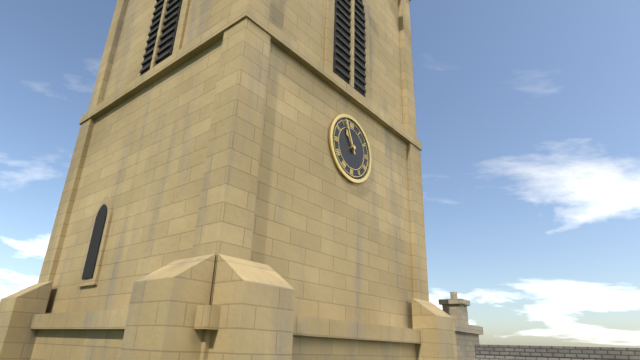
10.56
